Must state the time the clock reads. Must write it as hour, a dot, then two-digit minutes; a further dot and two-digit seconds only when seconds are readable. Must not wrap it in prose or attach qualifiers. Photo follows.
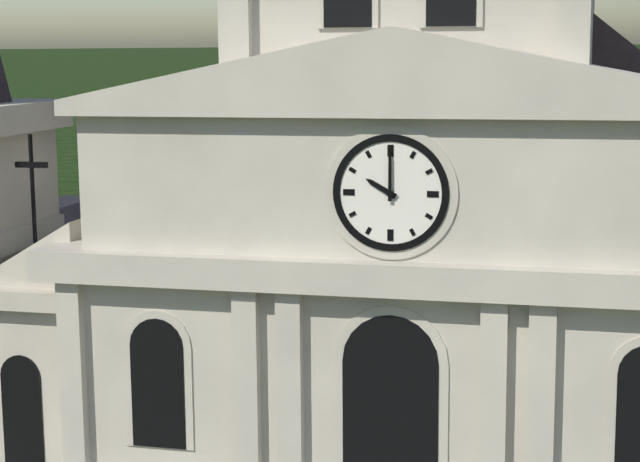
10.00
